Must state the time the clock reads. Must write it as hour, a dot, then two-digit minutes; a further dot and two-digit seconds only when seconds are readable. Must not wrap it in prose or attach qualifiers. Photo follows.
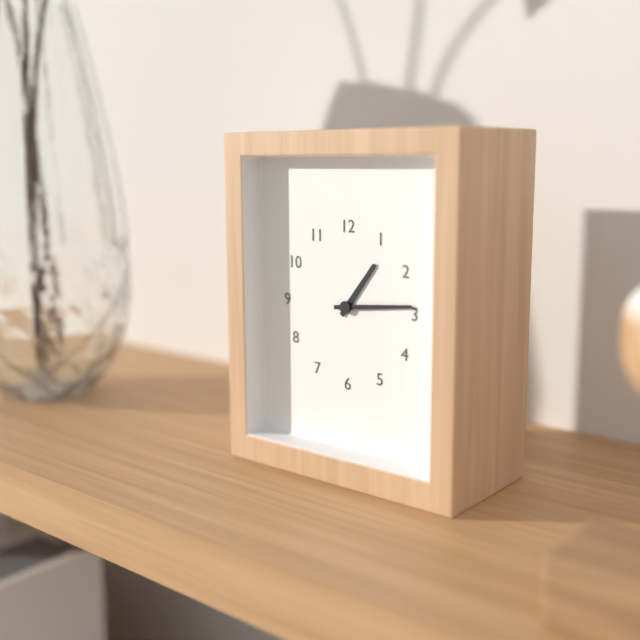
1.14
